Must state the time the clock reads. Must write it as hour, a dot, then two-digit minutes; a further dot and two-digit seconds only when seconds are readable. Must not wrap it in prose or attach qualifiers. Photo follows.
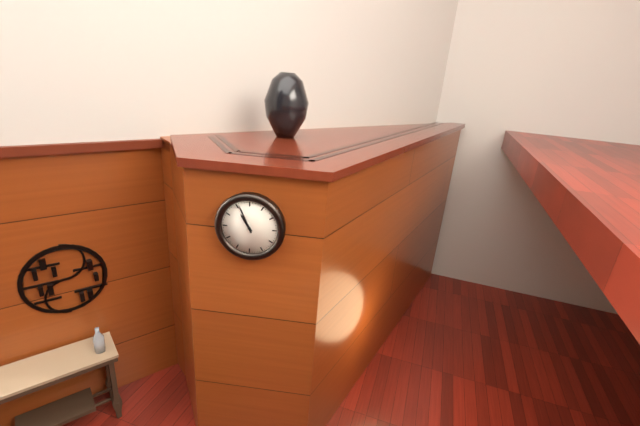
10.56
